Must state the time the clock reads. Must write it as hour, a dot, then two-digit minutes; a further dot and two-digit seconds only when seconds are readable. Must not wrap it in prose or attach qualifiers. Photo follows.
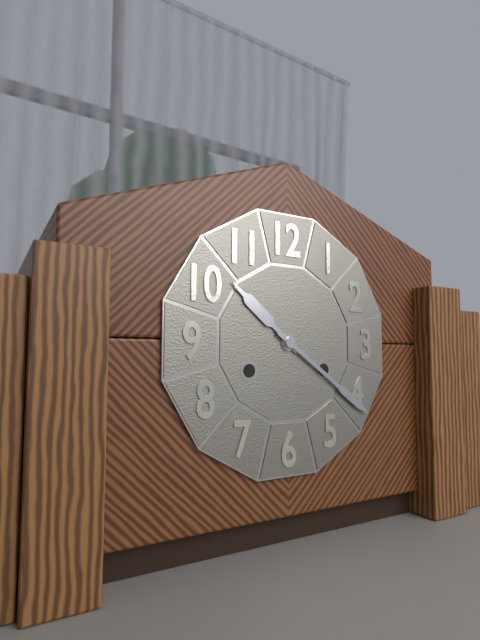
10.21
